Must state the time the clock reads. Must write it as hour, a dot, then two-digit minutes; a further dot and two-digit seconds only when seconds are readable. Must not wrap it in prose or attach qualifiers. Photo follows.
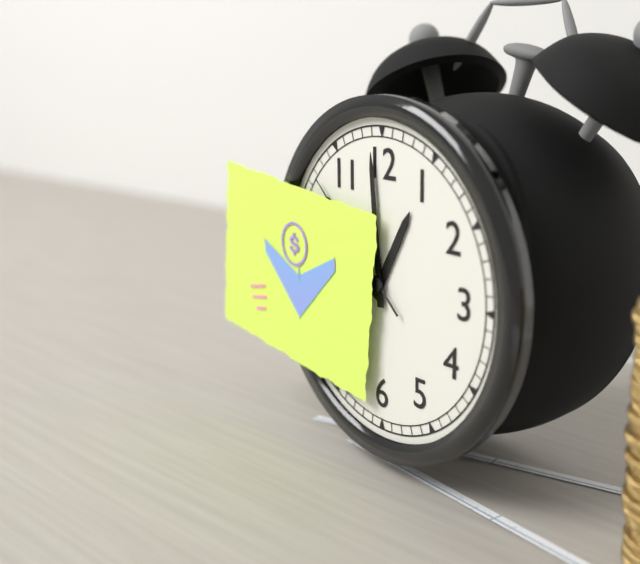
12.59.52
